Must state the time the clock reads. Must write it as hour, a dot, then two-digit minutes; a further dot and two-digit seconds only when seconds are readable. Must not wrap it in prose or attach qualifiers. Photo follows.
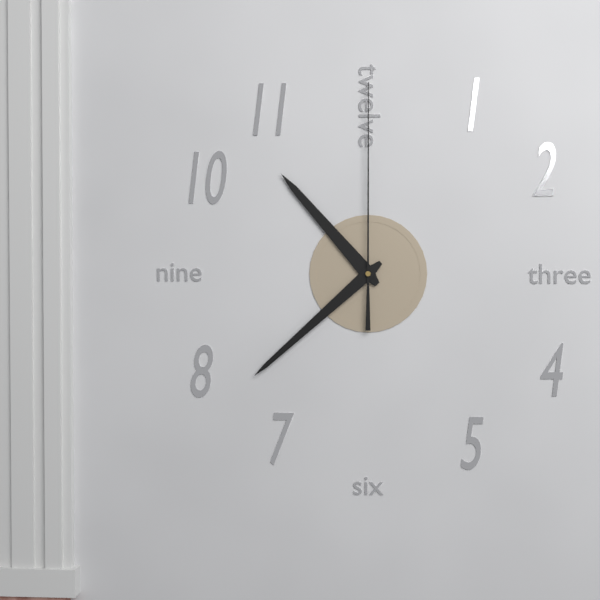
10.38.00
